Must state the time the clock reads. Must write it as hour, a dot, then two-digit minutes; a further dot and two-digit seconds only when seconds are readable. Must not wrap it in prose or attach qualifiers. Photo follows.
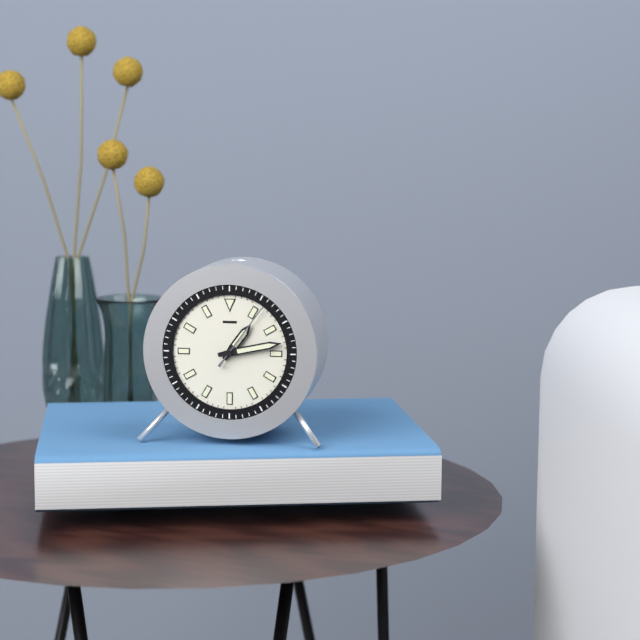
1.13.06
